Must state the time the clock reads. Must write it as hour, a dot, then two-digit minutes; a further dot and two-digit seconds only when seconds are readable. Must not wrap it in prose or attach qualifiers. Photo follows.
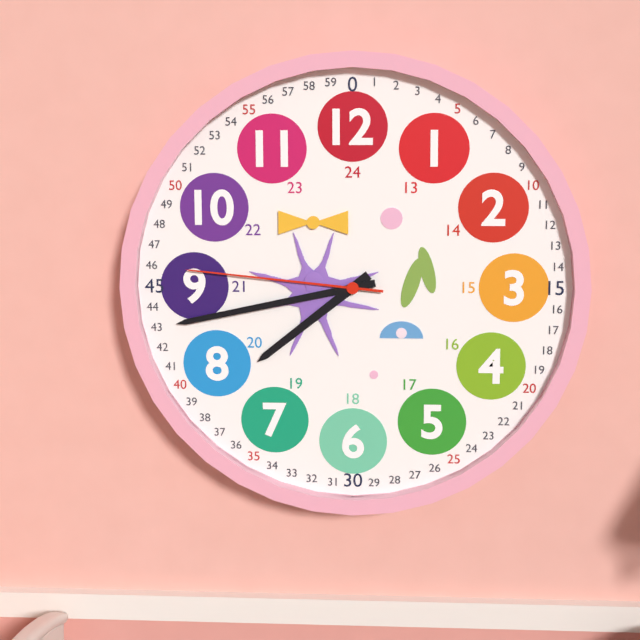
7.43.46
